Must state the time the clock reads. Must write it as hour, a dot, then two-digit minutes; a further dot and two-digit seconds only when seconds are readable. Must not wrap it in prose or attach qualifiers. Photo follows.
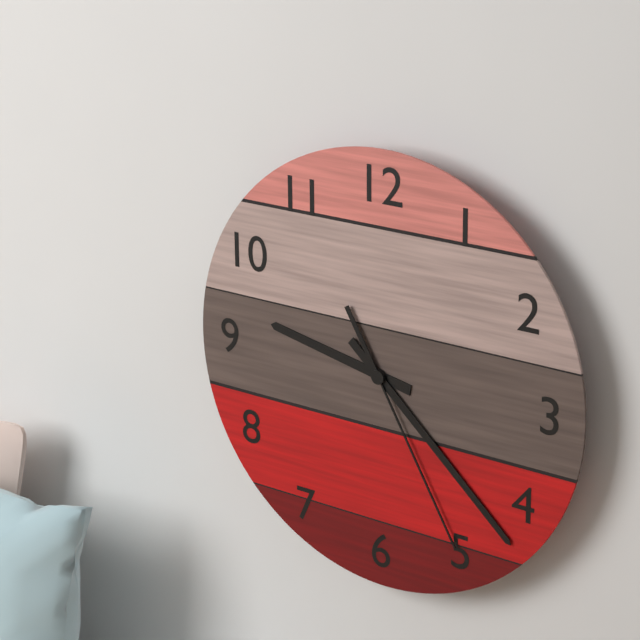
9.22.25
